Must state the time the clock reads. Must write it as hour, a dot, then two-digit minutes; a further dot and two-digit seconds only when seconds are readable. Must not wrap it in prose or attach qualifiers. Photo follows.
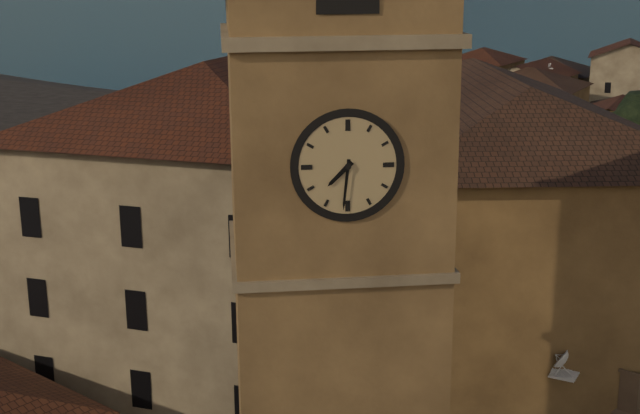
7.31
